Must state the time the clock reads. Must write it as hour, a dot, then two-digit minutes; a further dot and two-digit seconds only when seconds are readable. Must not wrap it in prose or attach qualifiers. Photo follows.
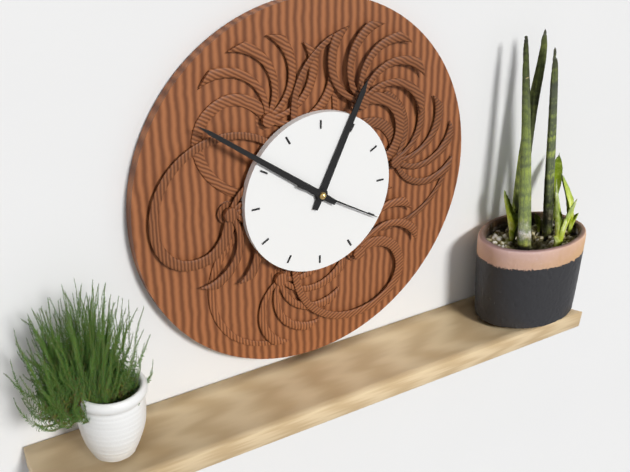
12.51.20
